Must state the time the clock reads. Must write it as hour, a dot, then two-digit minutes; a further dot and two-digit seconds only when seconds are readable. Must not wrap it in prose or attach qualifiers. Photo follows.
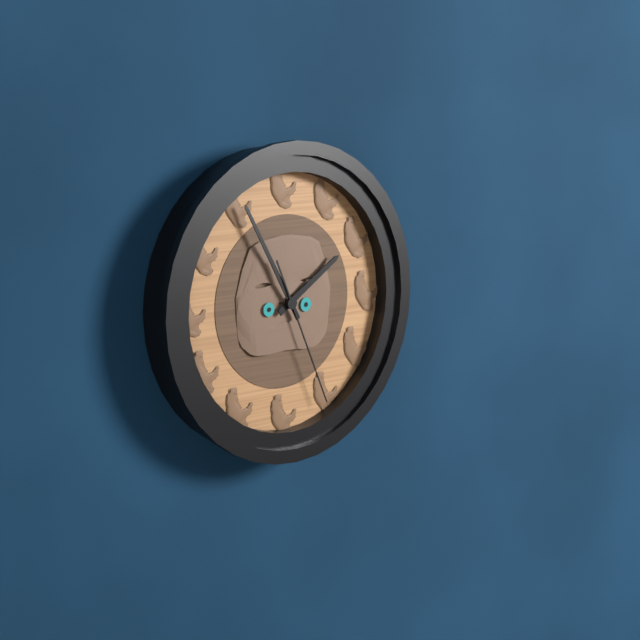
1.55.26
